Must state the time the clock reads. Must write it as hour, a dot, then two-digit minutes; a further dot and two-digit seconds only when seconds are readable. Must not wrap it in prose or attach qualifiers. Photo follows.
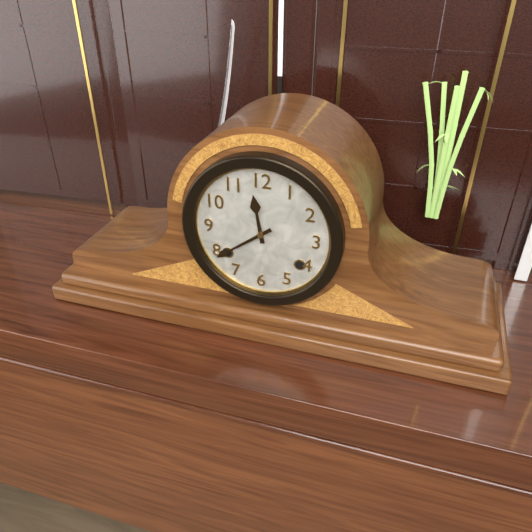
11.39
